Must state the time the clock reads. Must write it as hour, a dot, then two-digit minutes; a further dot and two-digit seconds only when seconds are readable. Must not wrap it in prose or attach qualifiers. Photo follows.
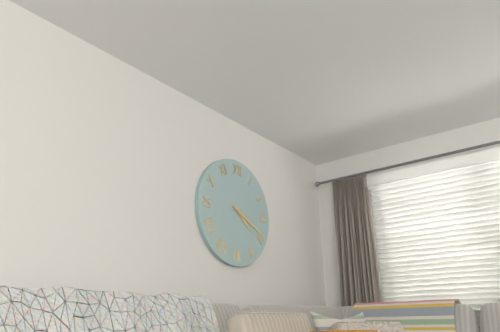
4.19
